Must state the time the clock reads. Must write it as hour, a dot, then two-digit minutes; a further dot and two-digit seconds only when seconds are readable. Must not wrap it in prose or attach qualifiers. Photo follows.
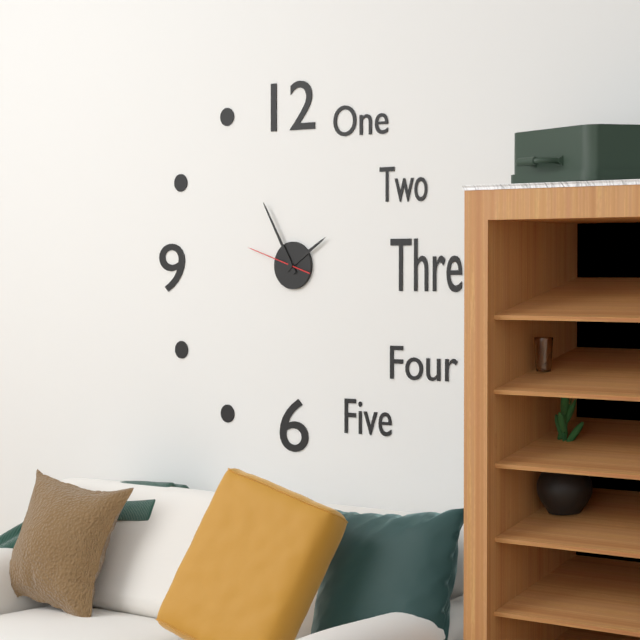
1.55.48
